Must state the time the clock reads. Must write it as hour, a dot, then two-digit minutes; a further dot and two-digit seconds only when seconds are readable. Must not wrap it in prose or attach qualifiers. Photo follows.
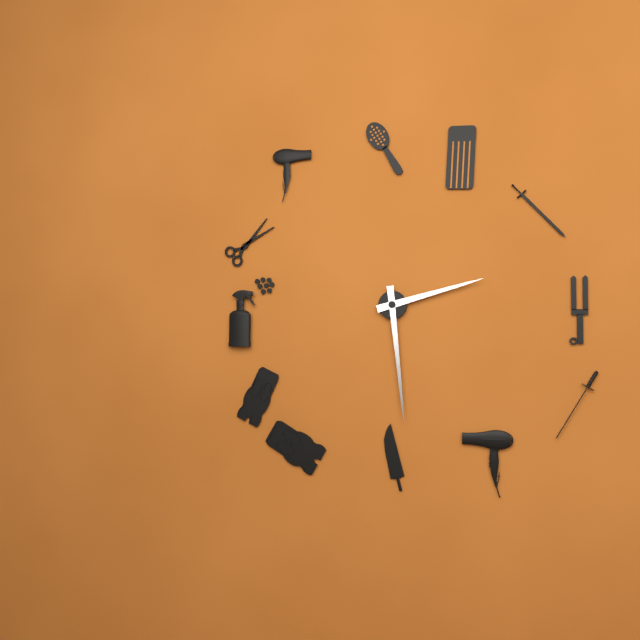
2.29
